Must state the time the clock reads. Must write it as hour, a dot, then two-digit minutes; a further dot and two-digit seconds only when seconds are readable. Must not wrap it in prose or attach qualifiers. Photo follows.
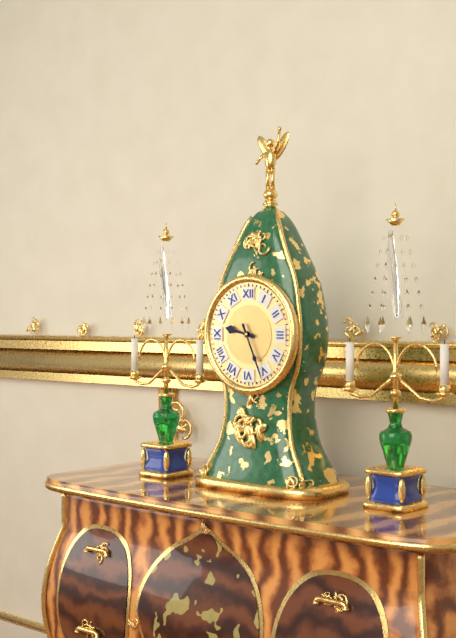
9.26
